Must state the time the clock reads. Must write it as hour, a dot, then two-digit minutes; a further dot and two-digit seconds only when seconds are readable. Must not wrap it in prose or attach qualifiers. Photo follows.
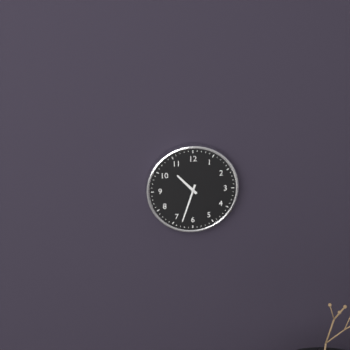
10.33
